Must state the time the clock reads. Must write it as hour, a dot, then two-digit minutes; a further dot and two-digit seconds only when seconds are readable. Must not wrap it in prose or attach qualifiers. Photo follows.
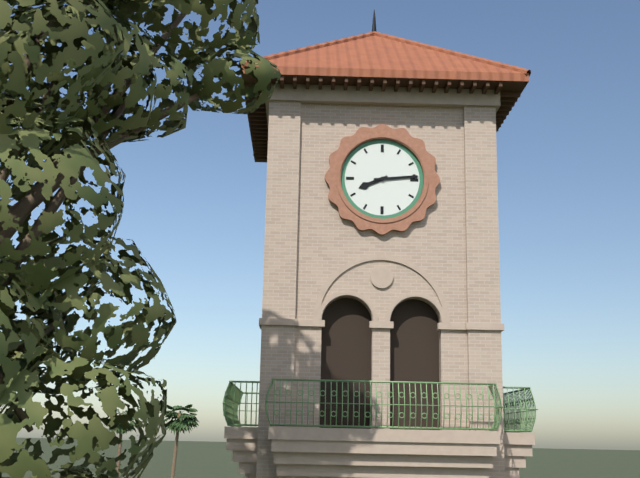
8.14
